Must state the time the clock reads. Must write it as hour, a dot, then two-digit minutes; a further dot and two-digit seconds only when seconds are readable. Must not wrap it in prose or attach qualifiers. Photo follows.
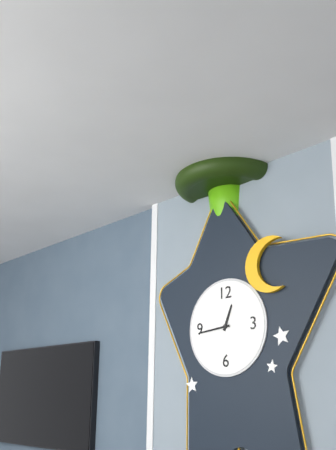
12.44
